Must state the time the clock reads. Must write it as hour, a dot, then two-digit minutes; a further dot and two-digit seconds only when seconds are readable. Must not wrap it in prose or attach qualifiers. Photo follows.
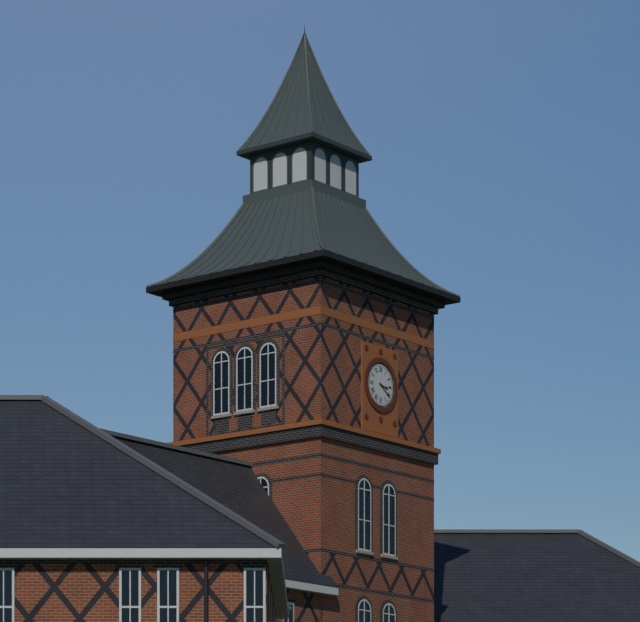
3.21
